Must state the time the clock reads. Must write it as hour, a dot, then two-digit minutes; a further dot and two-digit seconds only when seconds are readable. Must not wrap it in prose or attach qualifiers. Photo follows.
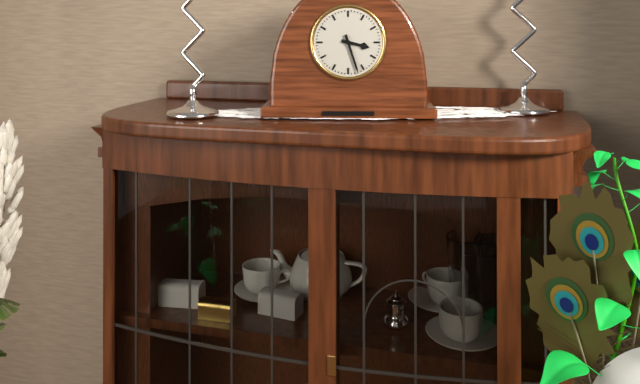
3.27
